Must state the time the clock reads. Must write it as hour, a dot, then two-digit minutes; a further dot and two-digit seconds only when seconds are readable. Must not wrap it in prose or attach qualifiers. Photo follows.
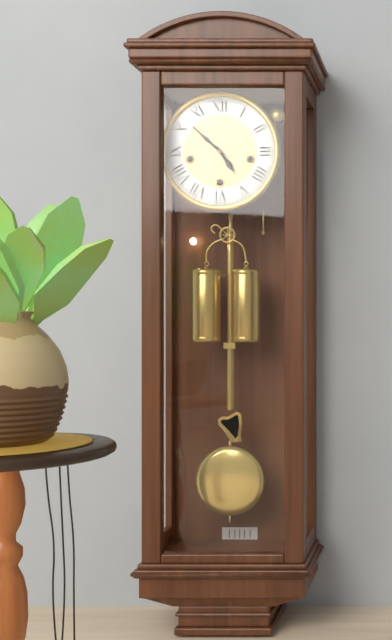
4.52
